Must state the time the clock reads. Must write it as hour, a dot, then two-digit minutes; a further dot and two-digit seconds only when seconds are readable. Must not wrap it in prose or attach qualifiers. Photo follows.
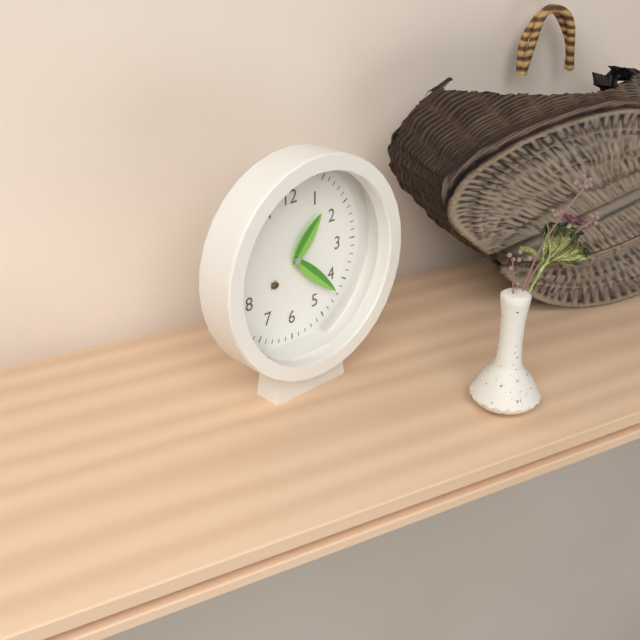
1.22
